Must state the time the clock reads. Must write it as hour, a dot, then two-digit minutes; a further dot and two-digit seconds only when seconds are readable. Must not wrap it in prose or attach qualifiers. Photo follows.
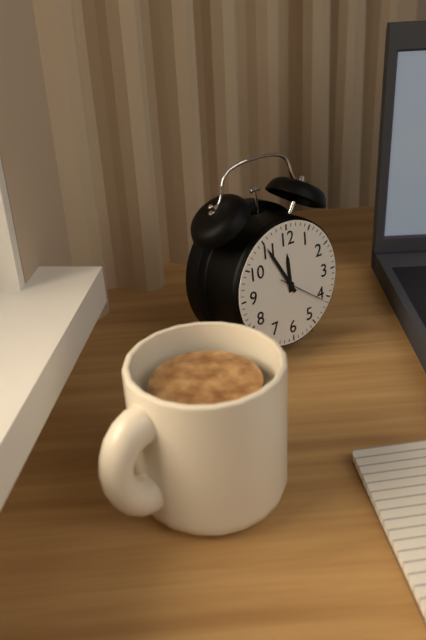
11.55.21
